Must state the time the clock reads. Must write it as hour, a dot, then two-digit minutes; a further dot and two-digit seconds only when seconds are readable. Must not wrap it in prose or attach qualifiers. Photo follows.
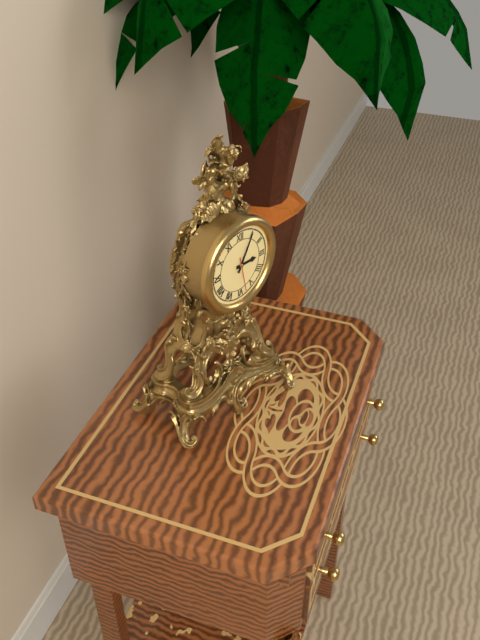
3.05
